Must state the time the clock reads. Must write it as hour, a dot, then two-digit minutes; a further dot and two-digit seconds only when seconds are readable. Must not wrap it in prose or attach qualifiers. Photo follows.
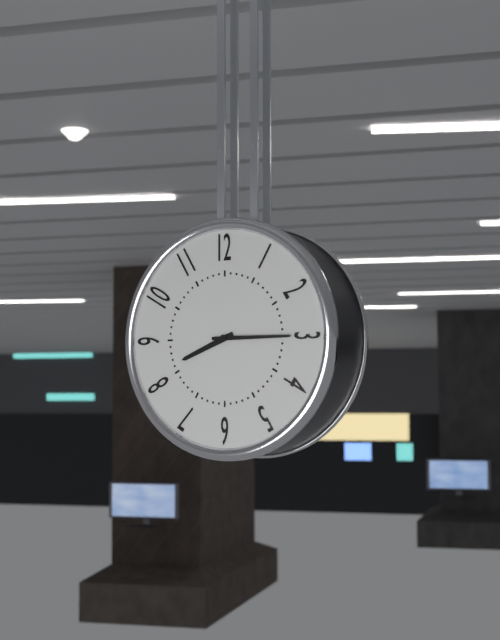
8.15
